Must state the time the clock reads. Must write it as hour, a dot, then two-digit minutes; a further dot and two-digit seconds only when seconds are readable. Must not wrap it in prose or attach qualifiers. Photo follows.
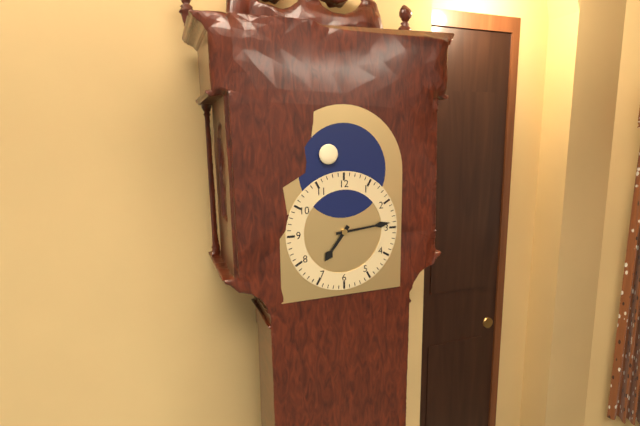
7.14
